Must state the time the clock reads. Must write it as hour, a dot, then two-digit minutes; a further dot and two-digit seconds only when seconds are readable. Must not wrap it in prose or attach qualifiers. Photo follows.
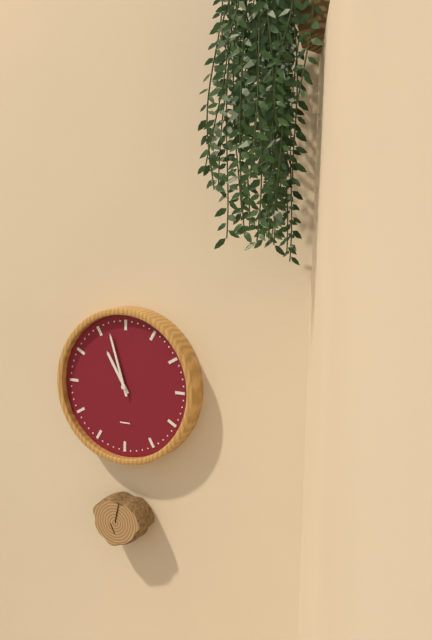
10.57
